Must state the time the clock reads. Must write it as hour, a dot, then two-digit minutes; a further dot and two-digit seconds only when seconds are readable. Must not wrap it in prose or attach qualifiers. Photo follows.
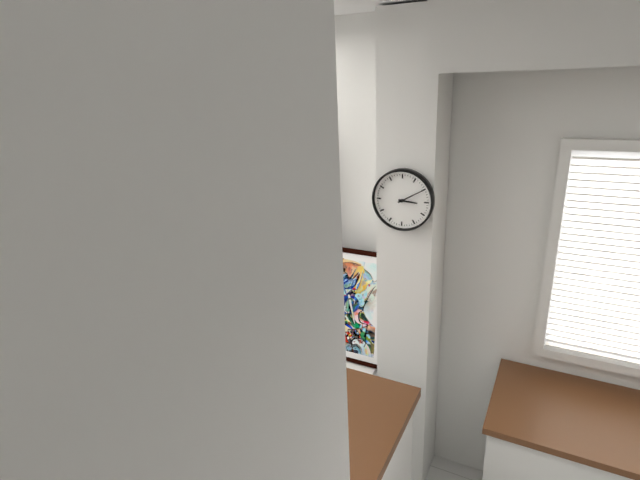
3.10
